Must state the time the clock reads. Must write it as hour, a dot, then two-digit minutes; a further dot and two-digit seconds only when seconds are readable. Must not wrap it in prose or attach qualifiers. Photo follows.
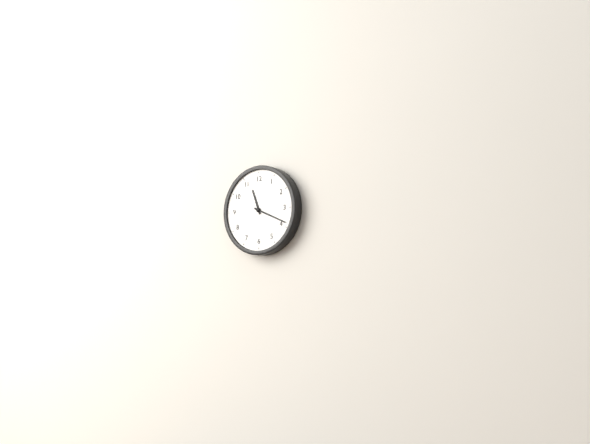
11.19
